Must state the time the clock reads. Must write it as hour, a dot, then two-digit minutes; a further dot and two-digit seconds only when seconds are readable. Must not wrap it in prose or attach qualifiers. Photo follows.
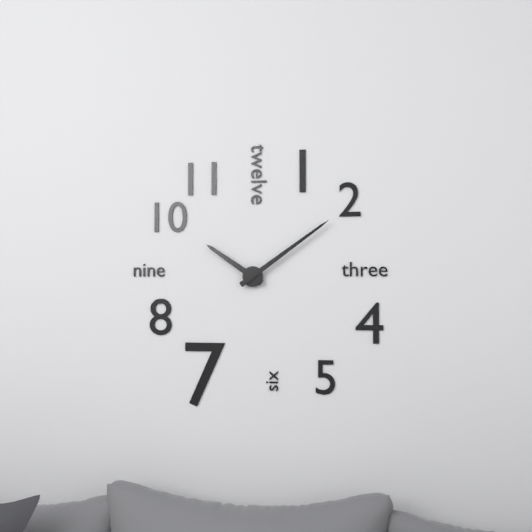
10.09
